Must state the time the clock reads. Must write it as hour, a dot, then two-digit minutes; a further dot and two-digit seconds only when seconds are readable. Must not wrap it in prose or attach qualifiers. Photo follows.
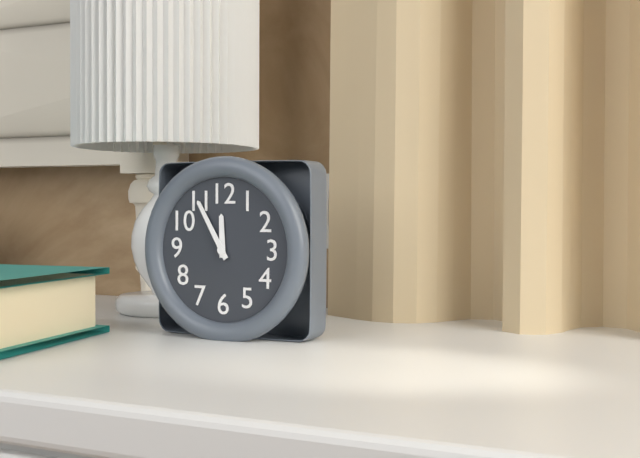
11.55
